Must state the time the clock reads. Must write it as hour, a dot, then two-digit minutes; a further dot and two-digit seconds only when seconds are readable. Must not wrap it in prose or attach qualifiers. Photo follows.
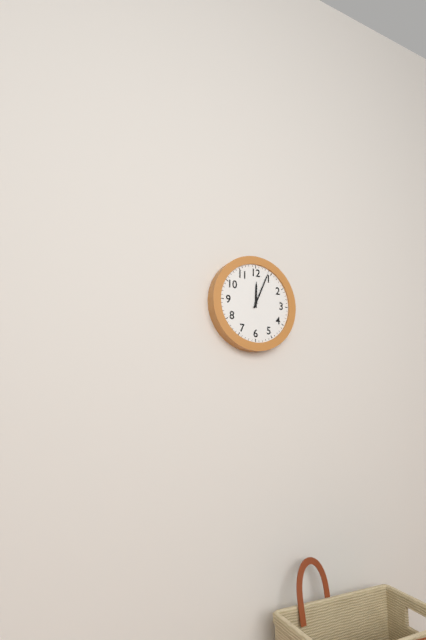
12.04
